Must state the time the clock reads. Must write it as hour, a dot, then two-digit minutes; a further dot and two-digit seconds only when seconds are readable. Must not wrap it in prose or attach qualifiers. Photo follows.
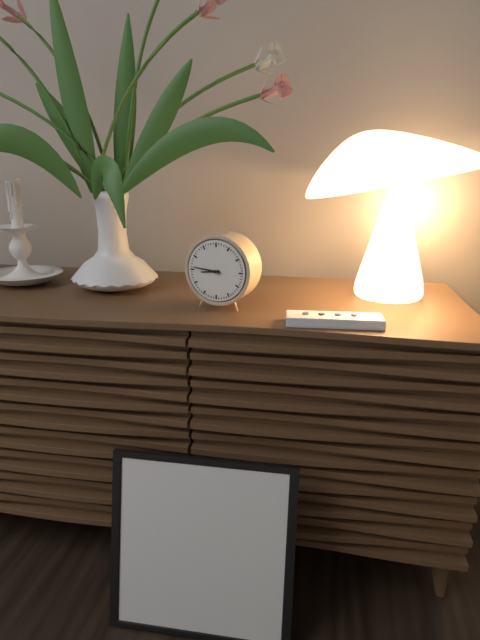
8.46
